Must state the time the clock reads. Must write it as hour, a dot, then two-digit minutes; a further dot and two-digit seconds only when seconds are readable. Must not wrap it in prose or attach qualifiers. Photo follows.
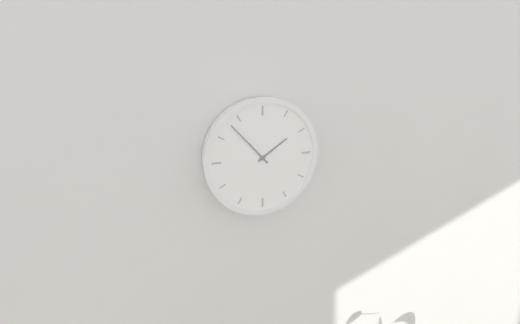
1.53
